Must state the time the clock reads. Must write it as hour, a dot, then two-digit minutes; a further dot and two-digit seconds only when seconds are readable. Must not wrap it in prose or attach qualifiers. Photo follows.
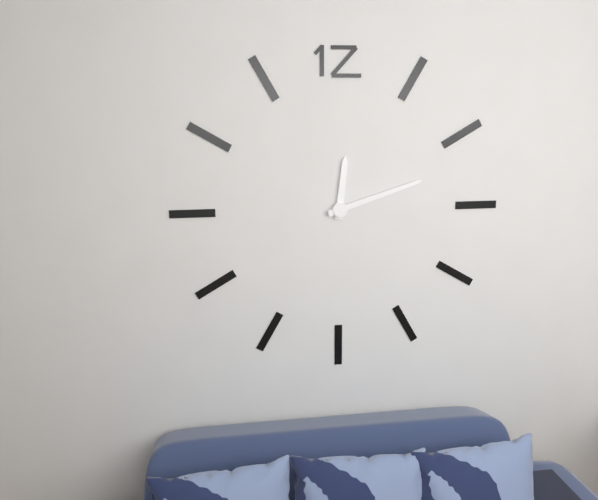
12.12
